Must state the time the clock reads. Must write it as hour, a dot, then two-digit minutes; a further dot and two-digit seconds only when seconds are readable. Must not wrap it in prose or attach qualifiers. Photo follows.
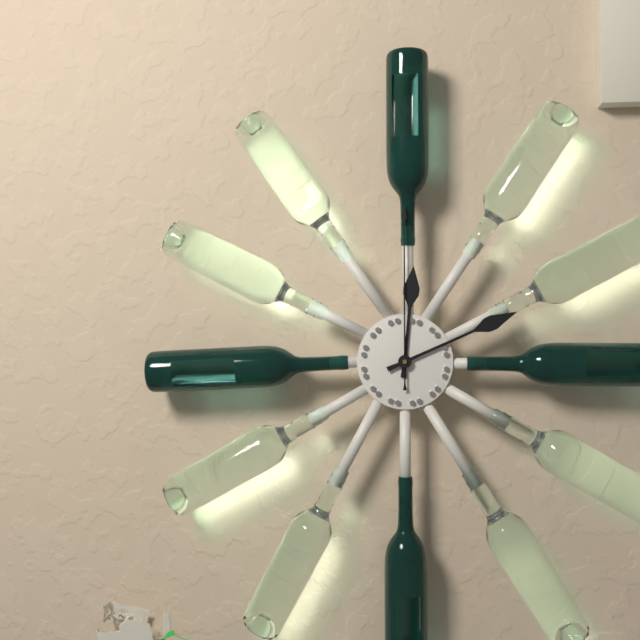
12.11.00
